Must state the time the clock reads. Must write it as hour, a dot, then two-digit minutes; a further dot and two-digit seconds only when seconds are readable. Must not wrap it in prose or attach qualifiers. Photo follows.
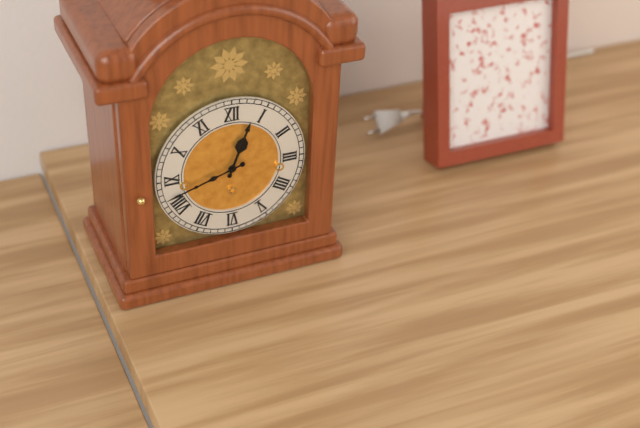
12.42
